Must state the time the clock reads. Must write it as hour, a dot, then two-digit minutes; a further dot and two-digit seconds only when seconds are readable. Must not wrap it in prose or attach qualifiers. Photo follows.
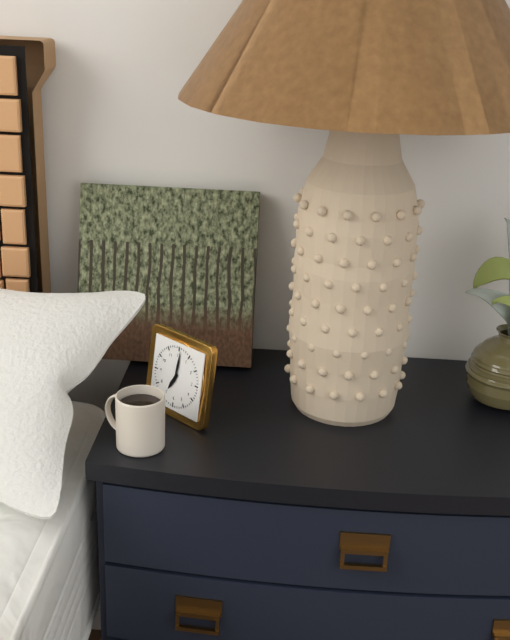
7.01
